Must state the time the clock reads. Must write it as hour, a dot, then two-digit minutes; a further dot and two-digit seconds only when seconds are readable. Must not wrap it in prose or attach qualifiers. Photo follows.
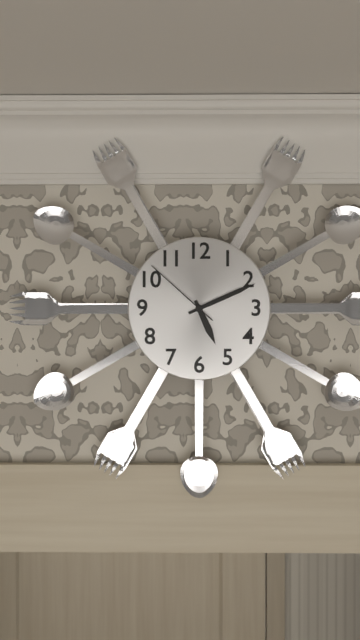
5.11.52
